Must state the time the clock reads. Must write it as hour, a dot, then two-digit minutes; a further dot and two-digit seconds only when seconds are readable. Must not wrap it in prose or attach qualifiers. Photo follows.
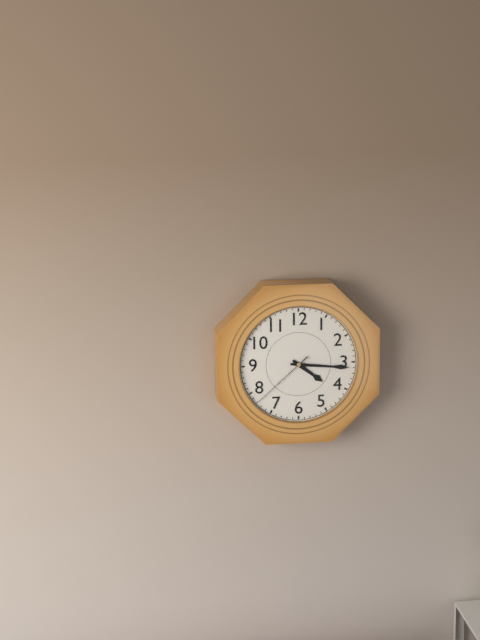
4.16.38
